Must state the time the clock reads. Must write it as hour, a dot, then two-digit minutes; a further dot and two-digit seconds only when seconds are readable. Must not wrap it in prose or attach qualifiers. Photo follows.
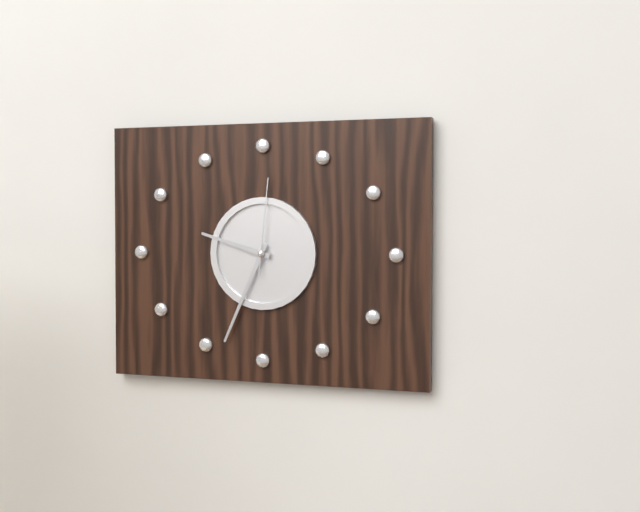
9.34.01
